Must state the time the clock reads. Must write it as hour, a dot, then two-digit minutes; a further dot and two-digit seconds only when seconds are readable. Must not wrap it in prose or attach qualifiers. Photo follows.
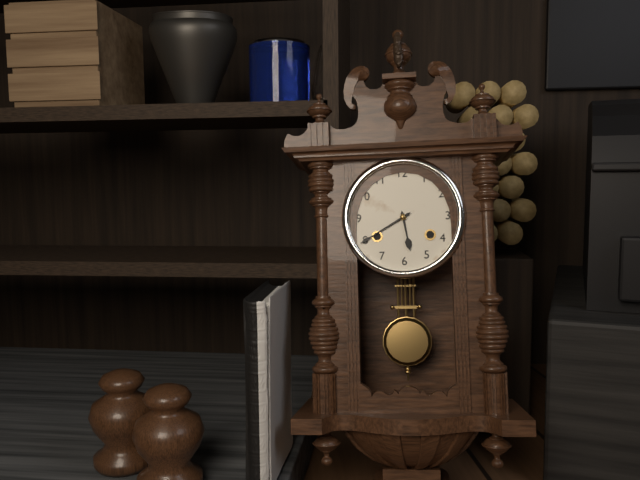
5.40
